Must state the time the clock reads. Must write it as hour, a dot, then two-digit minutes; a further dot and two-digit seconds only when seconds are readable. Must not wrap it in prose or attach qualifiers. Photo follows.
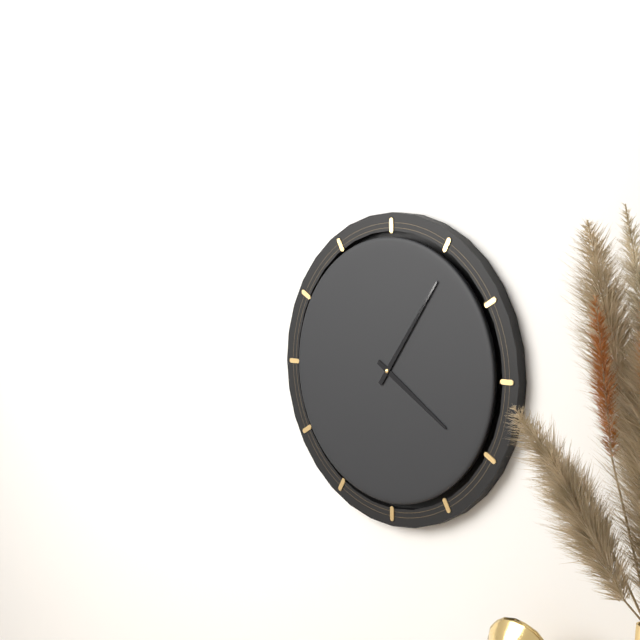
4.06
